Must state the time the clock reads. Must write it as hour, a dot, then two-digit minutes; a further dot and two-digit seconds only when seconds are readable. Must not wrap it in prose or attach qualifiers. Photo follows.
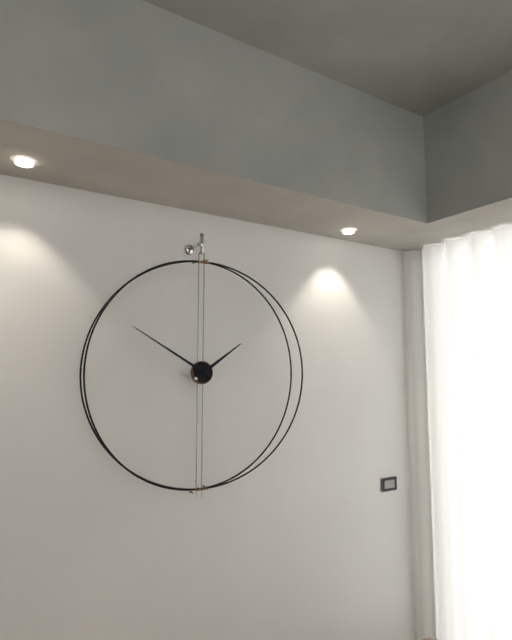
1.50
